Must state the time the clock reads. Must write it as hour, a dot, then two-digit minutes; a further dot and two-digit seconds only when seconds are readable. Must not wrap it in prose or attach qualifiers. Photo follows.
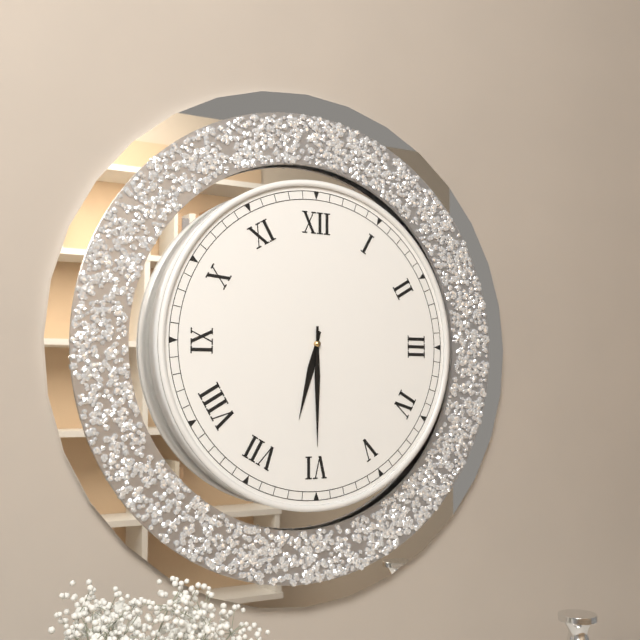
6.30
